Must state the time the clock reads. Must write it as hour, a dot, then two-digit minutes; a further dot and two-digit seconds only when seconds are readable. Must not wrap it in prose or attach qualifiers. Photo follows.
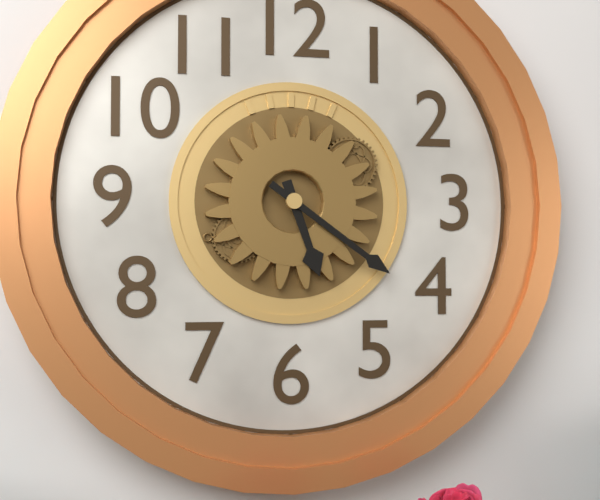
5.21
